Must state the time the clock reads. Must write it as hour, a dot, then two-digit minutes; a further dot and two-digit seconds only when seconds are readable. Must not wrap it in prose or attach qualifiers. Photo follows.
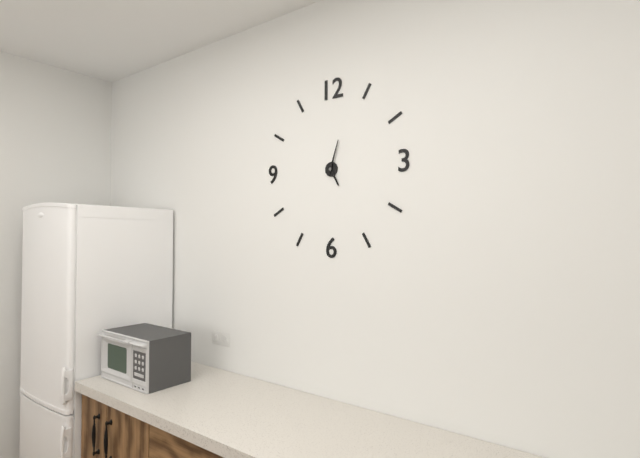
5.03
